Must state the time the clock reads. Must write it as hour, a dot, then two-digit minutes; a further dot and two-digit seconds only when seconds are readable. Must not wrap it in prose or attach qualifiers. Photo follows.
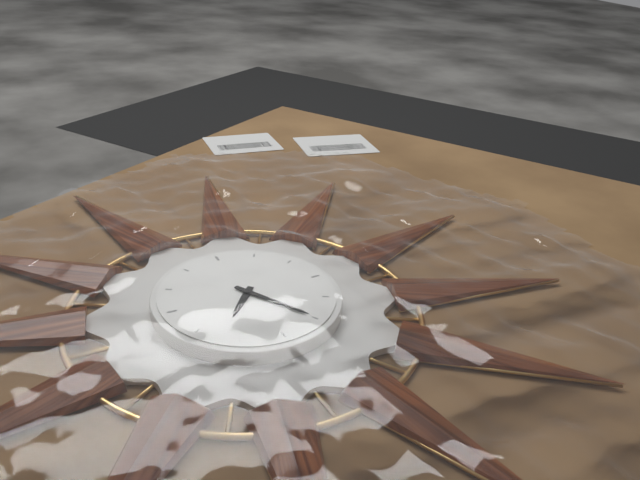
7.25
